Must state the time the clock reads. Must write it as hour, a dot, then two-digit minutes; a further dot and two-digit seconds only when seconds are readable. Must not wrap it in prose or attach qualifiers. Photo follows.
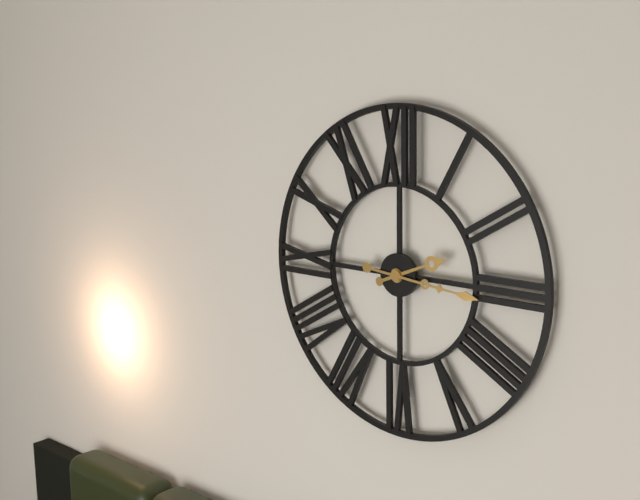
2.16
